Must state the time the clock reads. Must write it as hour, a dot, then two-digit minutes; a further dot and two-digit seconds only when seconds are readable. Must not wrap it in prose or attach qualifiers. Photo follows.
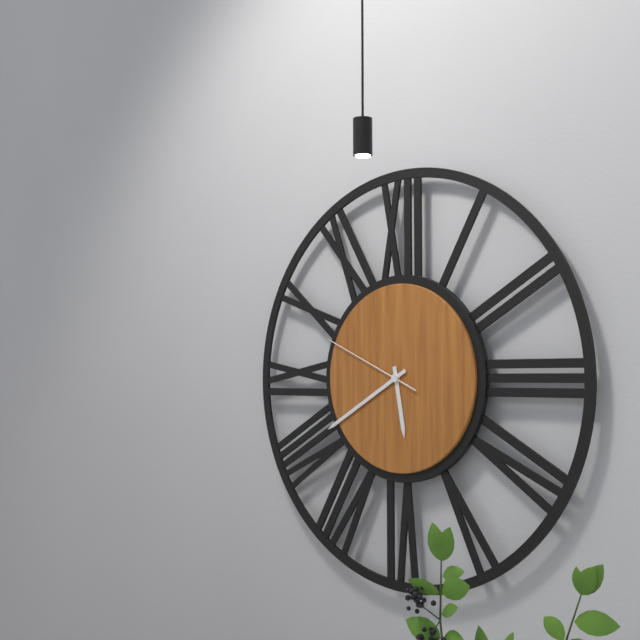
5.40.49
